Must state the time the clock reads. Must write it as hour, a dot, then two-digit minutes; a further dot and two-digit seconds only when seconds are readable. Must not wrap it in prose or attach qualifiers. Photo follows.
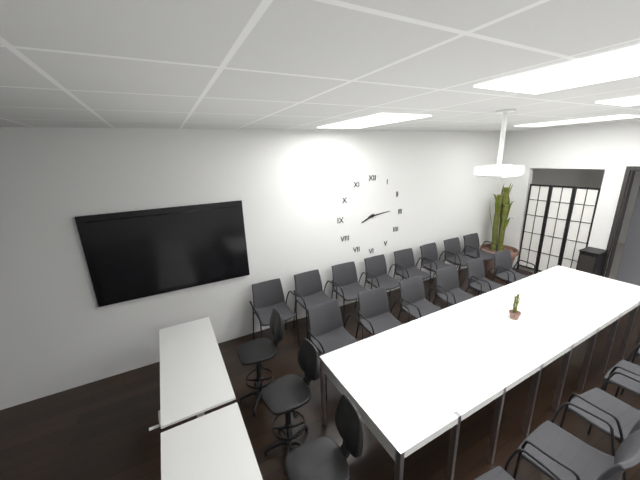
8.14
